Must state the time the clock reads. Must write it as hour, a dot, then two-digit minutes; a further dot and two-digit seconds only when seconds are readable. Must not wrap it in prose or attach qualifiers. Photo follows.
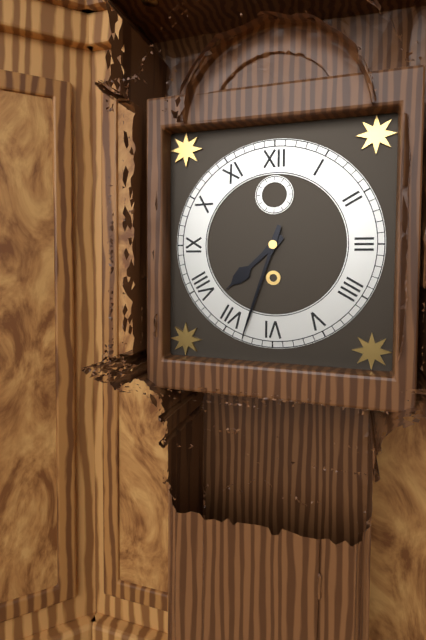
7.33
